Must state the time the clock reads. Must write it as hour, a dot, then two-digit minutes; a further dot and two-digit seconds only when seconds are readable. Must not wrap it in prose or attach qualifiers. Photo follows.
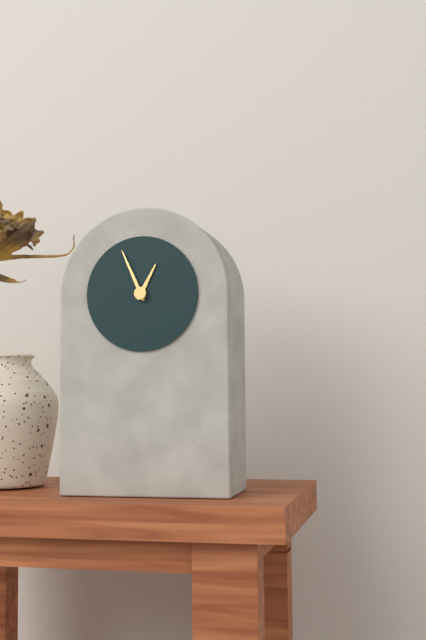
12.56
